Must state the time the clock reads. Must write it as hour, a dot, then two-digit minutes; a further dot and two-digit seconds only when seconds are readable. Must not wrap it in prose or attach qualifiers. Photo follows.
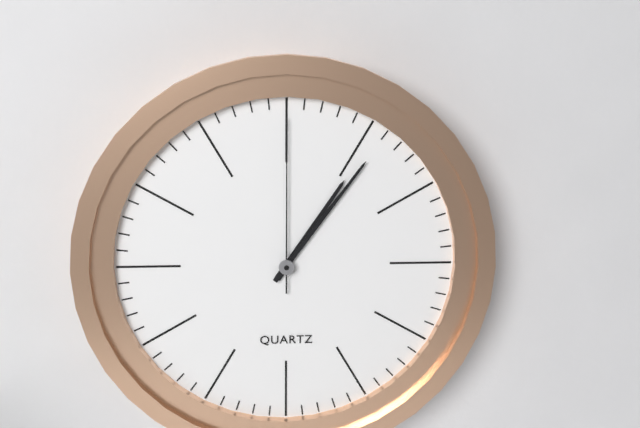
1.06.00
